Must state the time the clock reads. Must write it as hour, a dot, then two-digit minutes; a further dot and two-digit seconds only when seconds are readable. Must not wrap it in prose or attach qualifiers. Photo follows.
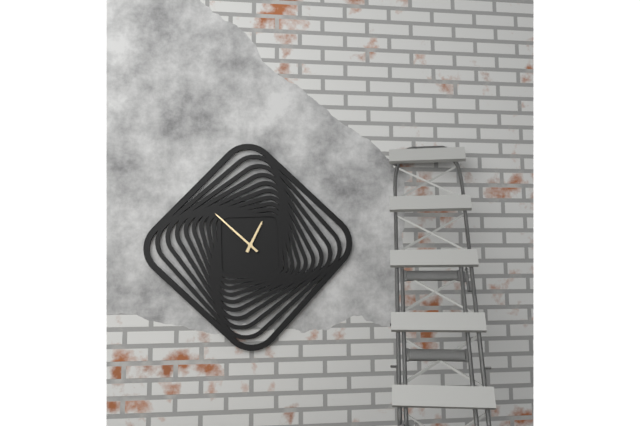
12.52
